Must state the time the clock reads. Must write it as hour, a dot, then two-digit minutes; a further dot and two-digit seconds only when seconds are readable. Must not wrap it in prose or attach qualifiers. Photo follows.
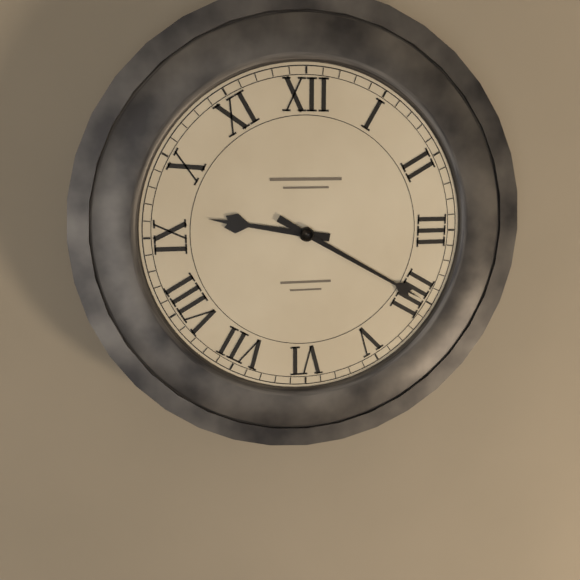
9.20
